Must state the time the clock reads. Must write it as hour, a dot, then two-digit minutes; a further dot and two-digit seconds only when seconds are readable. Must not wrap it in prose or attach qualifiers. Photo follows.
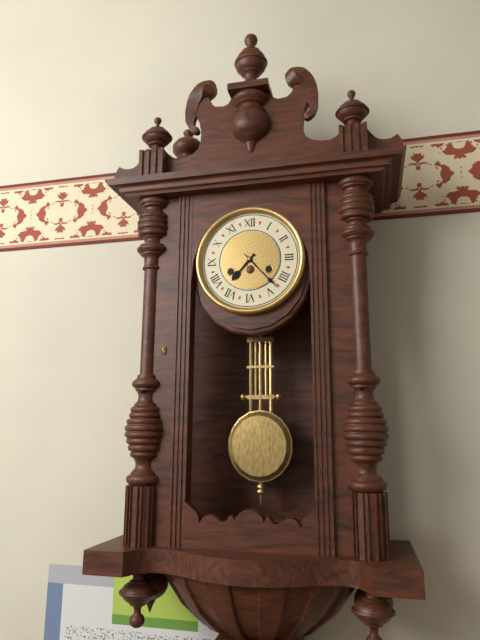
7.23
